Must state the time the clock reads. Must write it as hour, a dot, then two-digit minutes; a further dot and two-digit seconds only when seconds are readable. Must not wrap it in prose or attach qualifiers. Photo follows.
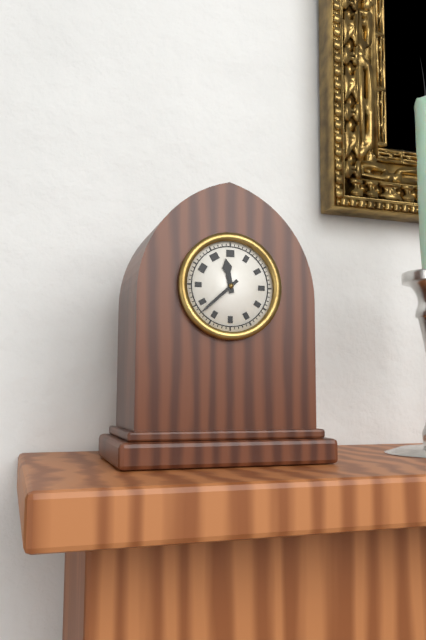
11.38
